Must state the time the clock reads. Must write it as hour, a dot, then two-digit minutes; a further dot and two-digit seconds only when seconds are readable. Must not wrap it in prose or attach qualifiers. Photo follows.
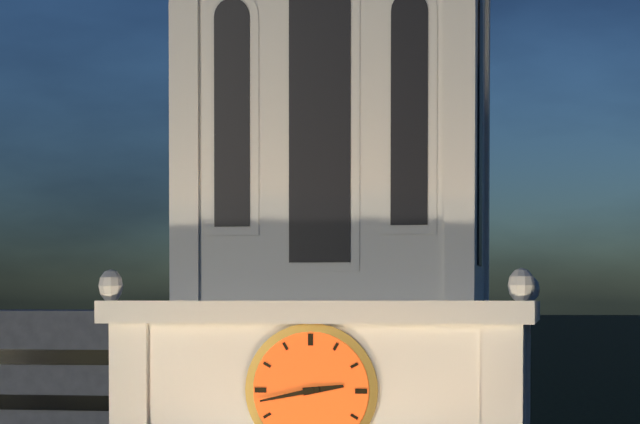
2.43
